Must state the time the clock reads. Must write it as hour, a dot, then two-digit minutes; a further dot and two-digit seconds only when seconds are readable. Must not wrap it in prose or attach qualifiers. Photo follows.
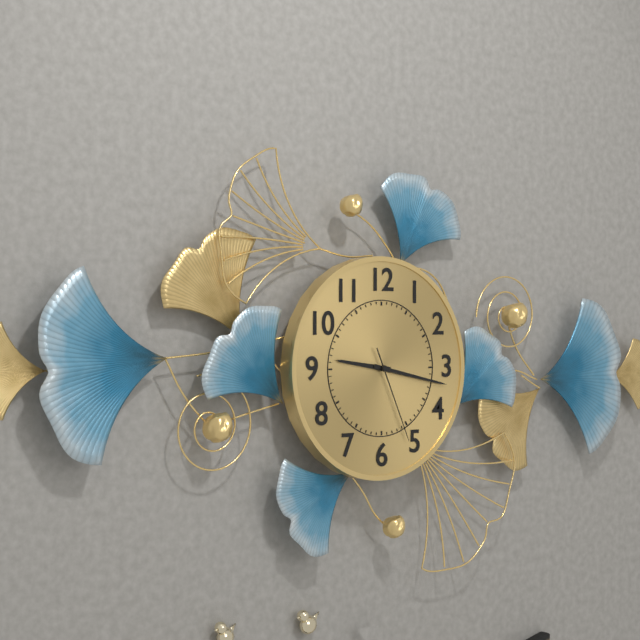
9.17.26
